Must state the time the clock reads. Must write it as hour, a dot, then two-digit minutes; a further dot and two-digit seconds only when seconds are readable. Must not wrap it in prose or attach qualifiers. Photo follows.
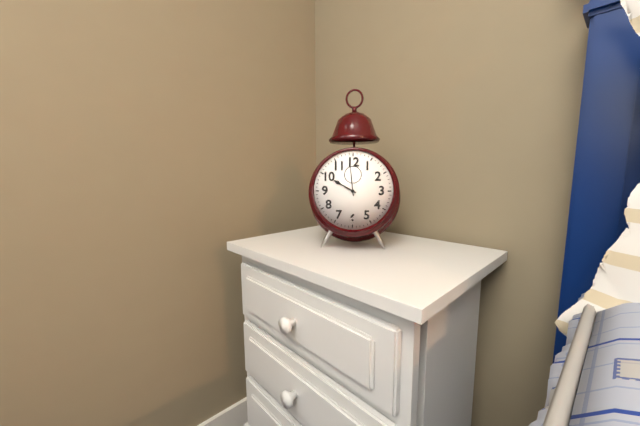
9.59
